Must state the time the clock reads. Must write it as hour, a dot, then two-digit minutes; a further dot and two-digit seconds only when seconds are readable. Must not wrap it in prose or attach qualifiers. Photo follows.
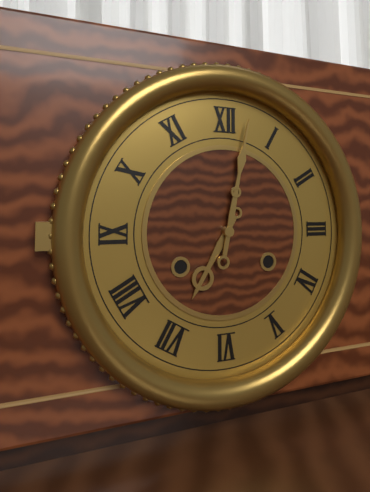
7.02
